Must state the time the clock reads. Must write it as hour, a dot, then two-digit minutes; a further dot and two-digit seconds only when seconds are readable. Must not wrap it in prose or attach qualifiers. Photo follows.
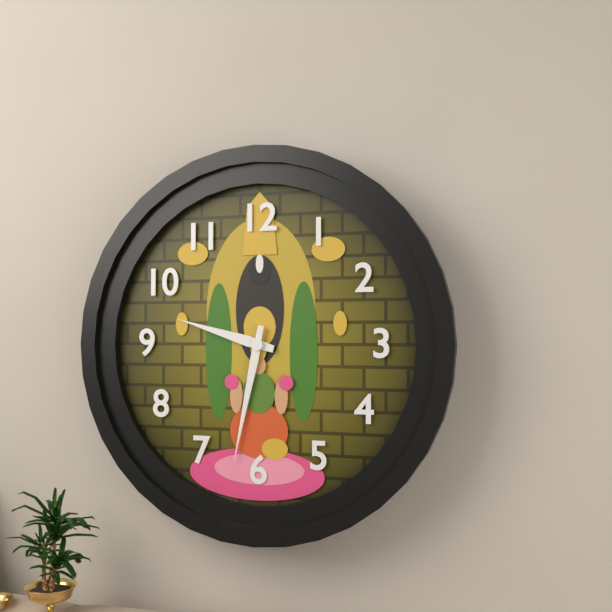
9.32
